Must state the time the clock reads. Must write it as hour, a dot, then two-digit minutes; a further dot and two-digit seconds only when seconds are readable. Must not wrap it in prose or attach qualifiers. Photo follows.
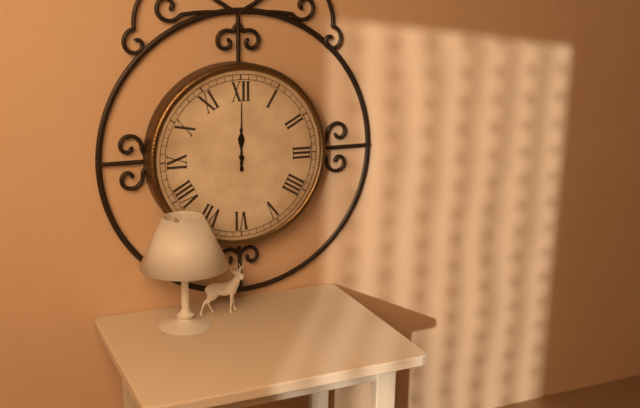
12.00
